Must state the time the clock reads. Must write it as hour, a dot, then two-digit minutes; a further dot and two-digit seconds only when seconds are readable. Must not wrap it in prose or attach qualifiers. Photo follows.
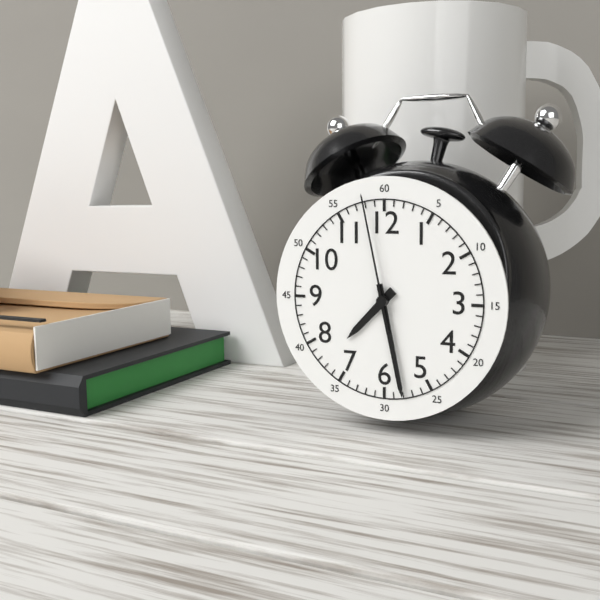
7.28.58
